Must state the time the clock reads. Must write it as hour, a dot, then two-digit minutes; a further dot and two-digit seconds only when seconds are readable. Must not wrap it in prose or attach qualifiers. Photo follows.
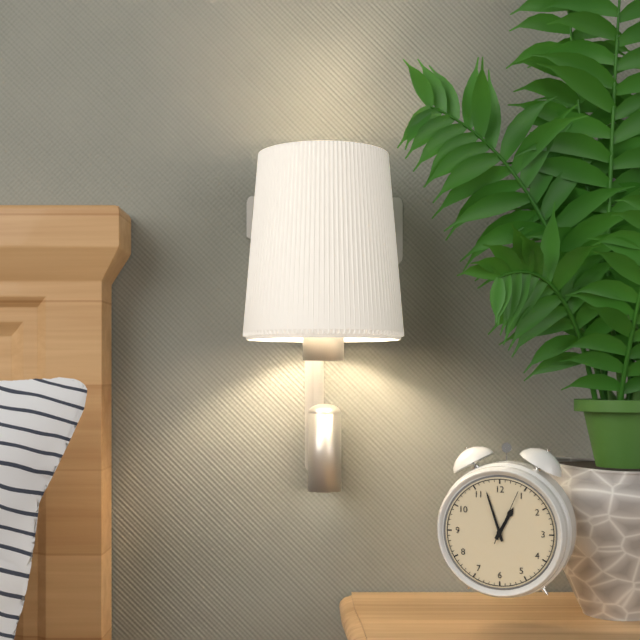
12.57.04
